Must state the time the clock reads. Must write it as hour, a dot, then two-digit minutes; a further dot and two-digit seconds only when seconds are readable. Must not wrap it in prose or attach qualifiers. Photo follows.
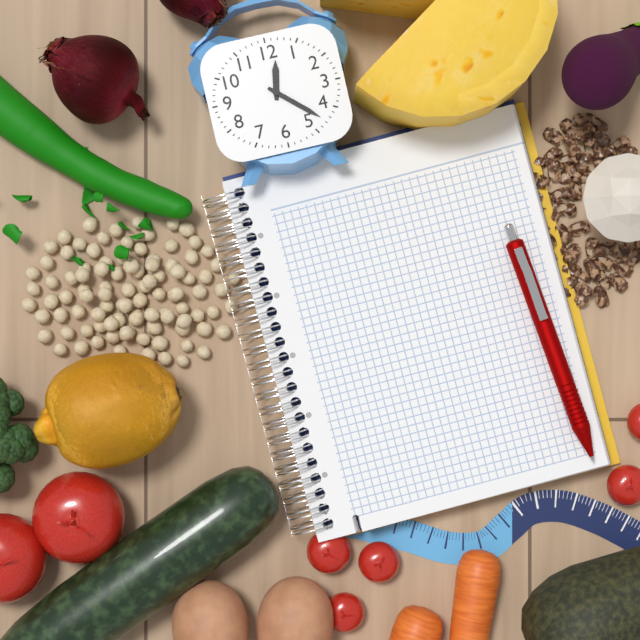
12.22
